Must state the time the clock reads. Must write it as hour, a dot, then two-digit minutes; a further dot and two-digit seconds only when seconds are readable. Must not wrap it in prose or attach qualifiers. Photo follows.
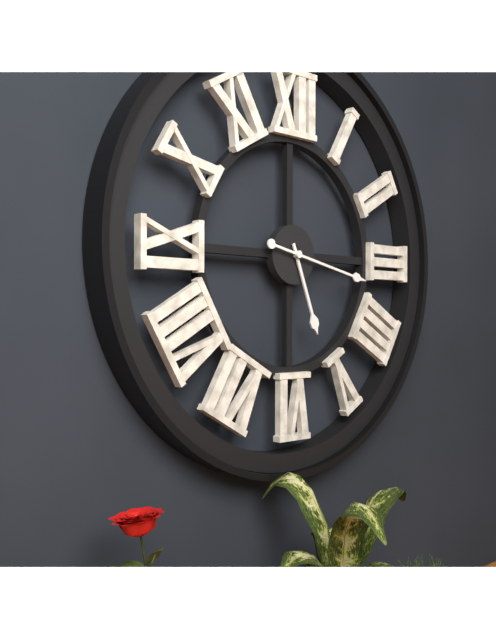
5.17
